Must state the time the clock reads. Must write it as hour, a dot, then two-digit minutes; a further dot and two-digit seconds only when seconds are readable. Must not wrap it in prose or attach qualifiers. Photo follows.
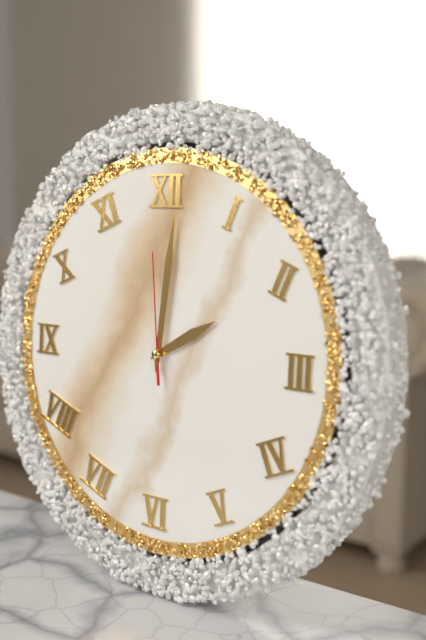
2.01.59
